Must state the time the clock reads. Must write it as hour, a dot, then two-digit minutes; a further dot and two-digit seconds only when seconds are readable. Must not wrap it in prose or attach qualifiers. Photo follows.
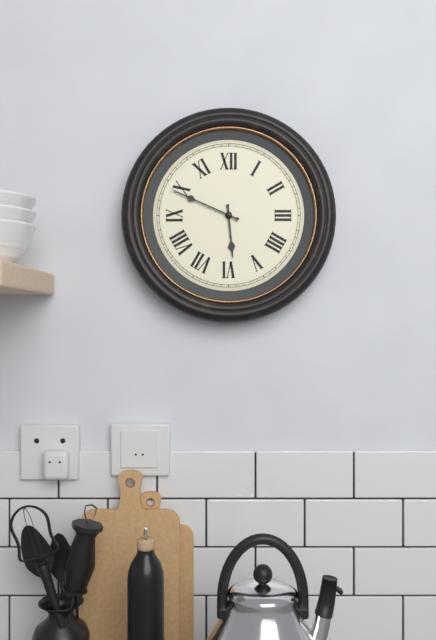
5.49
